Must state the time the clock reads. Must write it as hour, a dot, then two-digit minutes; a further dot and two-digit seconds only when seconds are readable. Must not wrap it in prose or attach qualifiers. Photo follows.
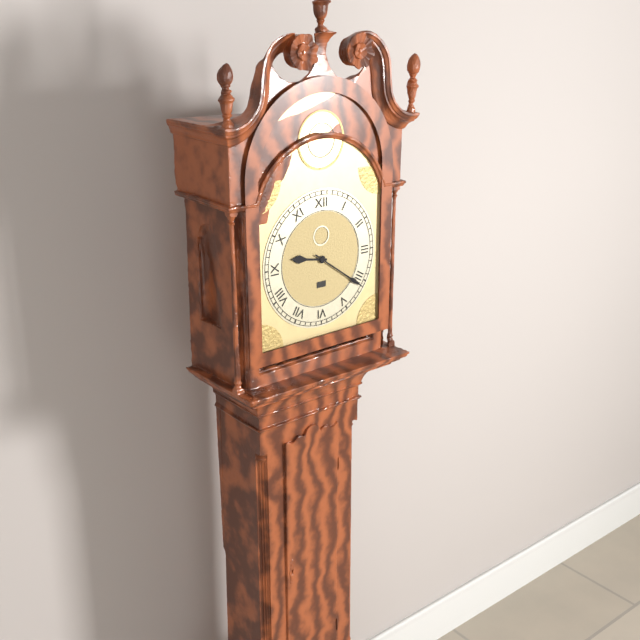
9.21
